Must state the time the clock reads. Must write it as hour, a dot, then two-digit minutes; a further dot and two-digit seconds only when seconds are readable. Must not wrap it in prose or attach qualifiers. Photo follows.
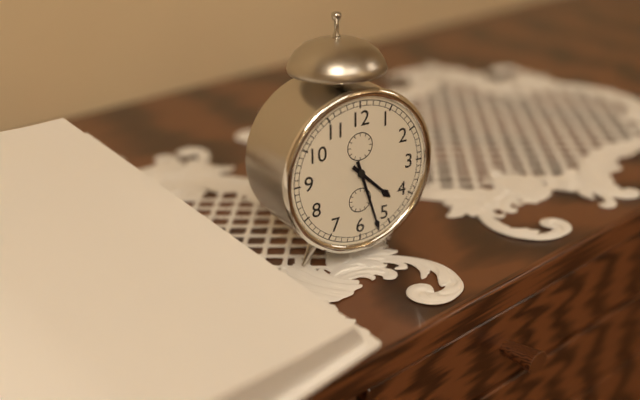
4.27
